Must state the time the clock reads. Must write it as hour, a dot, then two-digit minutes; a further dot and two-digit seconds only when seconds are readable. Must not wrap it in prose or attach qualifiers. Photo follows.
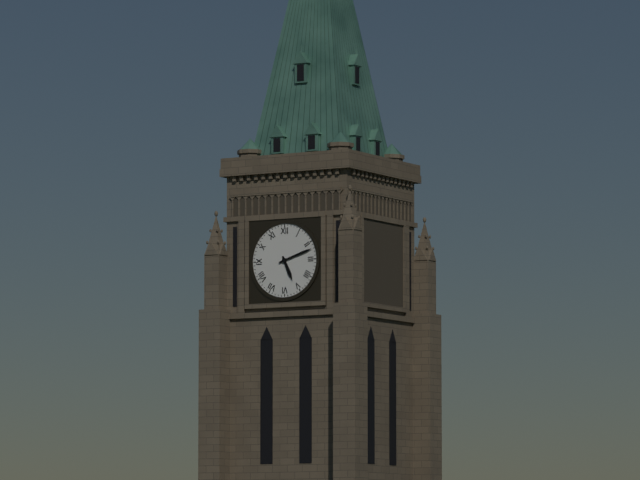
5.12
